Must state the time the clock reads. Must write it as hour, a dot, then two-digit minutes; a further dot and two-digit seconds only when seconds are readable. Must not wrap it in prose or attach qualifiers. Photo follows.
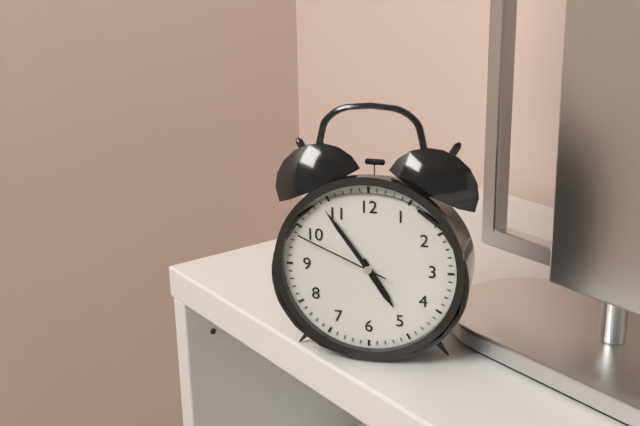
4.54.49
